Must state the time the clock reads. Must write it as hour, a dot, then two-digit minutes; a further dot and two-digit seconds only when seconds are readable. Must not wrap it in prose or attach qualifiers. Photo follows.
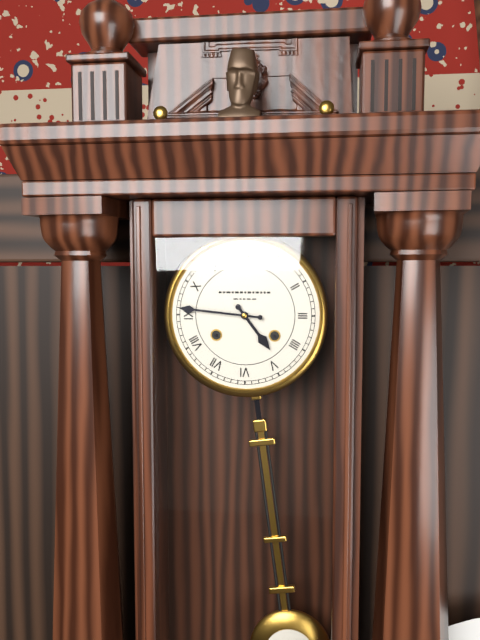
4.46
